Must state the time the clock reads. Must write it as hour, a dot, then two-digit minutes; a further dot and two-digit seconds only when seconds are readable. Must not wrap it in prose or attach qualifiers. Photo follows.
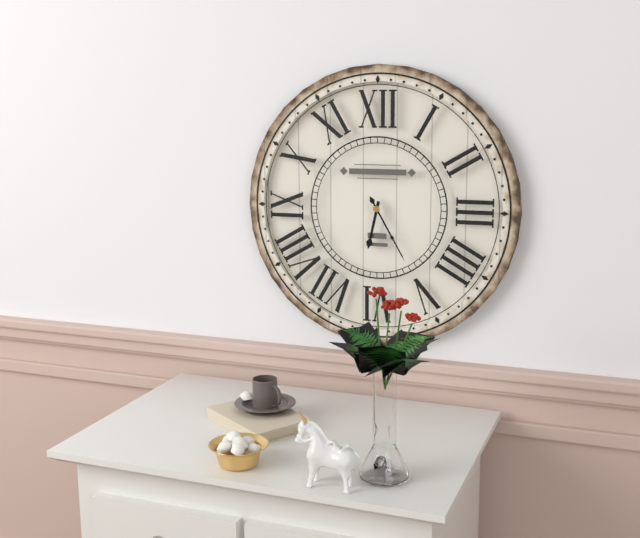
6.25
